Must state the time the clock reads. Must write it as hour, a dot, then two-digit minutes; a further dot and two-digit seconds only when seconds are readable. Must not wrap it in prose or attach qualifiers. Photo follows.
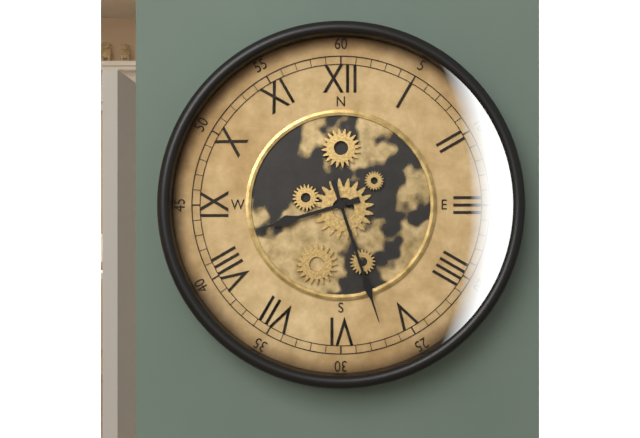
8.27
